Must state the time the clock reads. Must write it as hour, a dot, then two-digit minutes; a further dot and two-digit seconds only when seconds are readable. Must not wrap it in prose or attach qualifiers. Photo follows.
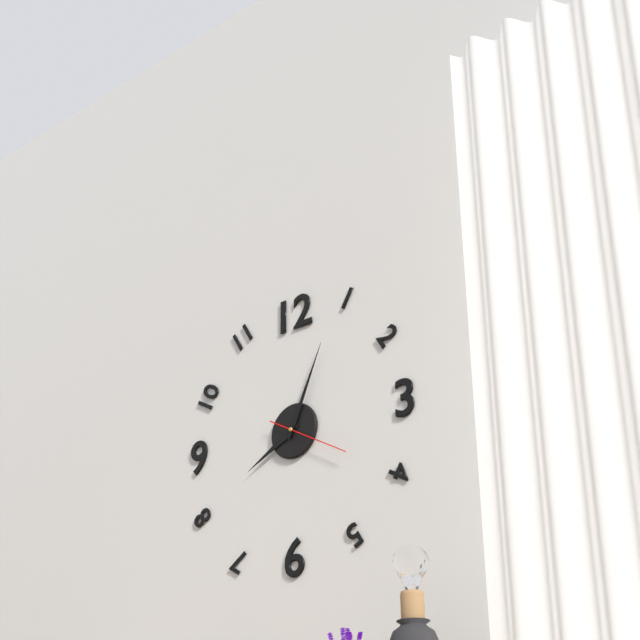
8.04.20
